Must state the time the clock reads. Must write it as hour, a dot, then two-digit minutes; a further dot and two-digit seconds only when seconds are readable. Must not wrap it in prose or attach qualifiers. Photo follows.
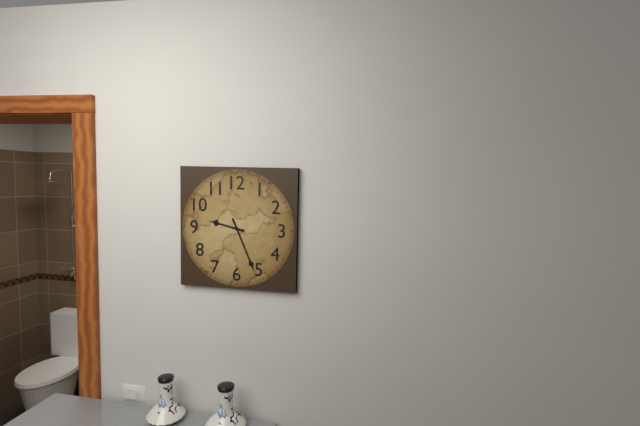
9.26
